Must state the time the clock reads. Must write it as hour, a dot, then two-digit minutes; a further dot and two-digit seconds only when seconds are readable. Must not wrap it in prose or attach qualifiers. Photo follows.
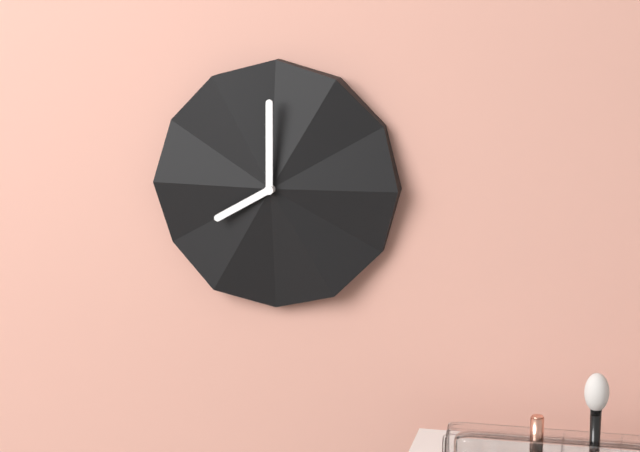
8.00
